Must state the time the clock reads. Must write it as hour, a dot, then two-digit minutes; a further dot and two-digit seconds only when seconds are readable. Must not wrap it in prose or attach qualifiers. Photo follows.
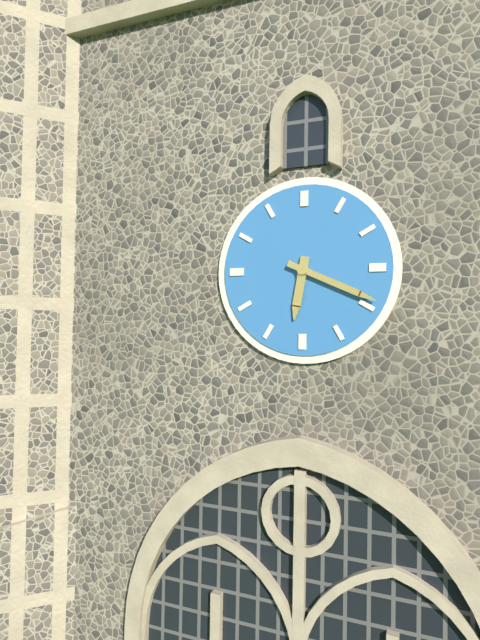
6.19
